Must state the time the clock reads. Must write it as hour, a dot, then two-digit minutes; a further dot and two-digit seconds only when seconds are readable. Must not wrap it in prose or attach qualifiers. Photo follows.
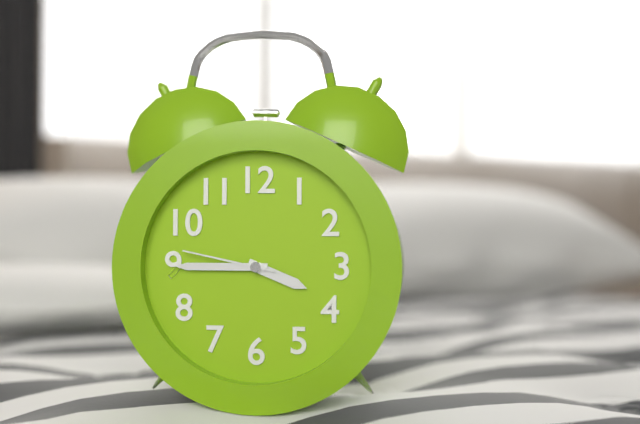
3.45.47
